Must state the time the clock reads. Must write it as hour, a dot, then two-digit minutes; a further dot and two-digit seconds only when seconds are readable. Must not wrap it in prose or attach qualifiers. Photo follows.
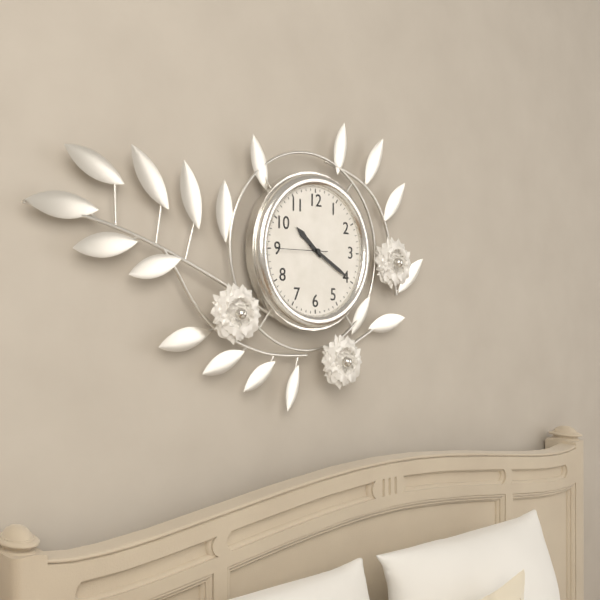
10.20.45
